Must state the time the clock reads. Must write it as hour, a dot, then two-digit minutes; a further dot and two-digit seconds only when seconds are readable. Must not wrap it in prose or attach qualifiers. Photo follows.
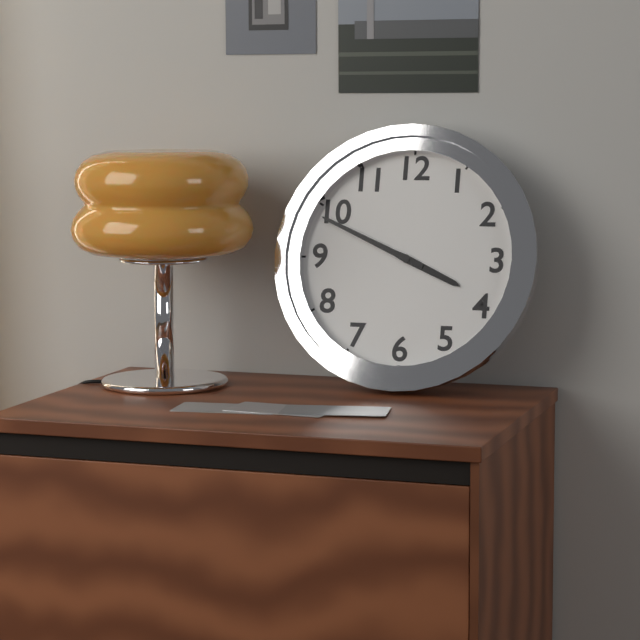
3.49
